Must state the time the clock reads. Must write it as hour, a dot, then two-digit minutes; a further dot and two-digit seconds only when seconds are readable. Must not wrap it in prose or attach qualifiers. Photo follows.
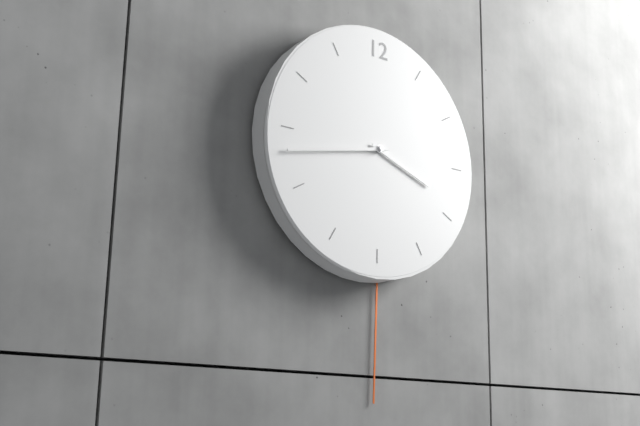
3.43
